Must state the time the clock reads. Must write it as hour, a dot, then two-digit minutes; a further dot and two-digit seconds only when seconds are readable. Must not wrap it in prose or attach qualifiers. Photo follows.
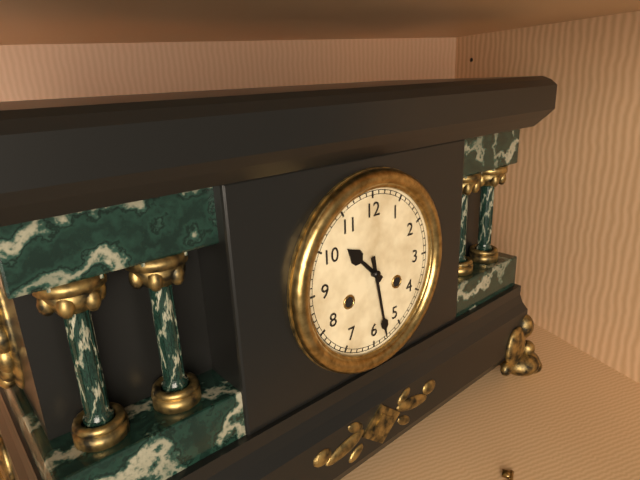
10.28
